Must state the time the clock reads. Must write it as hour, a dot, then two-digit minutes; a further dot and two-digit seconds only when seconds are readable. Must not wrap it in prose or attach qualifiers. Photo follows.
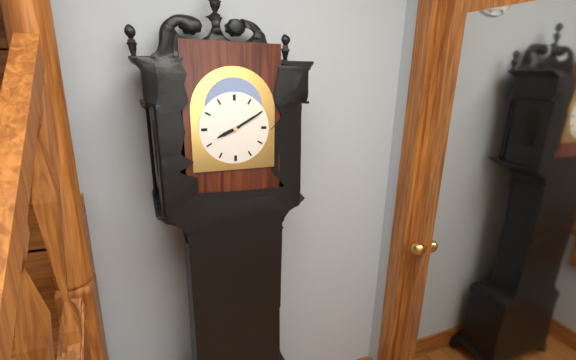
8.10
